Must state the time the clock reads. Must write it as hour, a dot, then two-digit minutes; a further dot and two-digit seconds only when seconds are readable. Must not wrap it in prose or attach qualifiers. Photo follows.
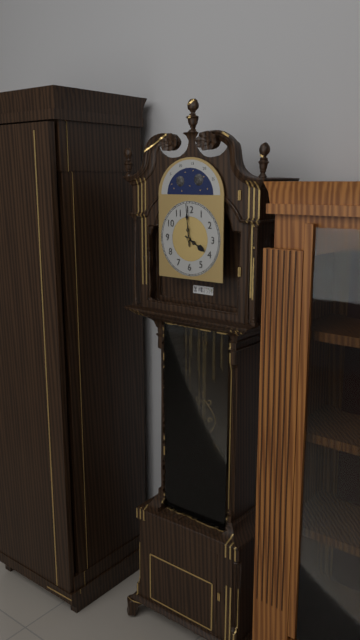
3.59
